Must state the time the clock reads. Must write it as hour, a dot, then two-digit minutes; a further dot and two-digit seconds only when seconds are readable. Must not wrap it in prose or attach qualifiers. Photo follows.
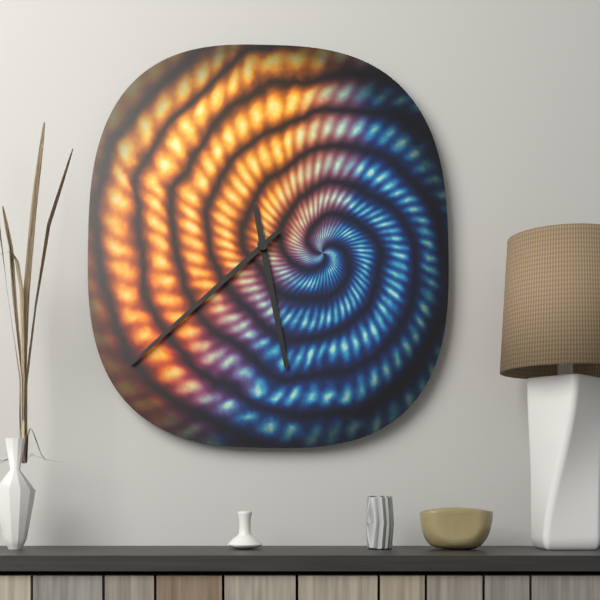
5.38
